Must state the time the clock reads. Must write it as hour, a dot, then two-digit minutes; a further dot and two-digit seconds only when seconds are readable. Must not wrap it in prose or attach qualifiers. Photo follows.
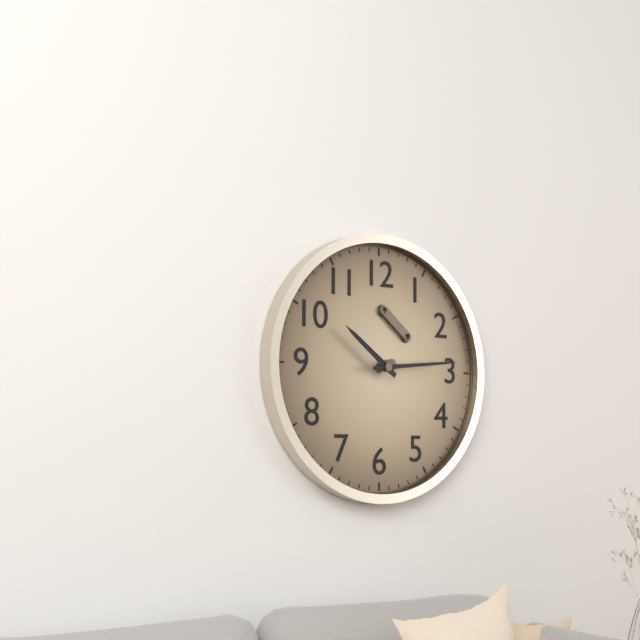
10.14
